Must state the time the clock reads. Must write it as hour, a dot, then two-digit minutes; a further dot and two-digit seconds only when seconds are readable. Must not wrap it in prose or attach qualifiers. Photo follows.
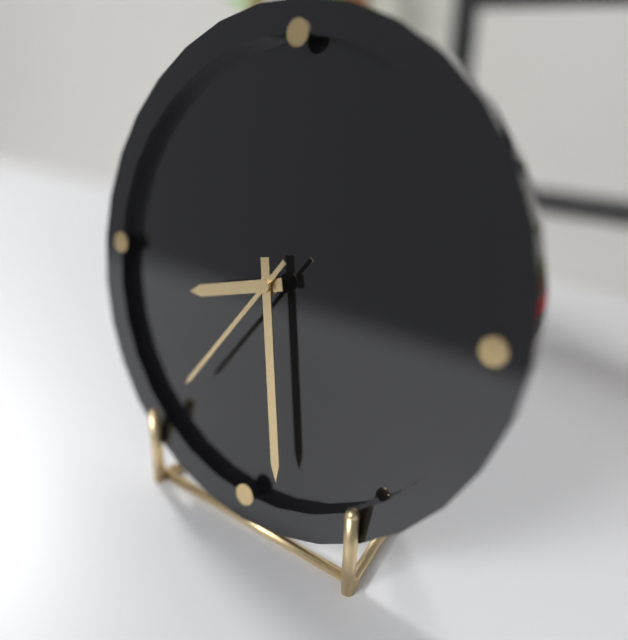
8.28.36
